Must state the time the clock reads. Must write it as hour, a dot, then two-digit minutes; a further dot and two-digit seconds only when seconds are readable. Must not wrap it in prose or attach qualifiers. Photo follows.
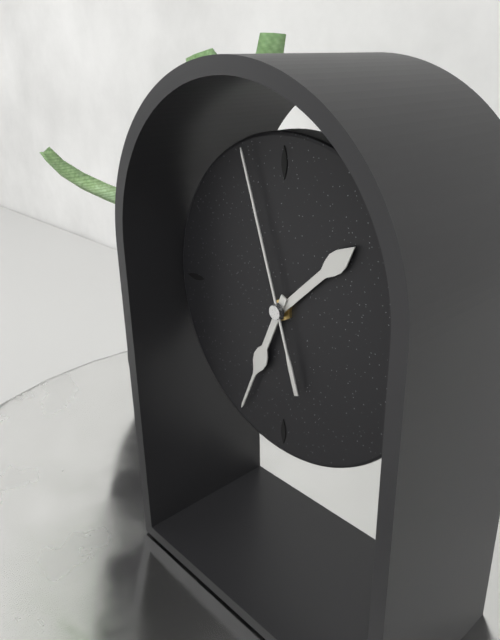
1.34.57
